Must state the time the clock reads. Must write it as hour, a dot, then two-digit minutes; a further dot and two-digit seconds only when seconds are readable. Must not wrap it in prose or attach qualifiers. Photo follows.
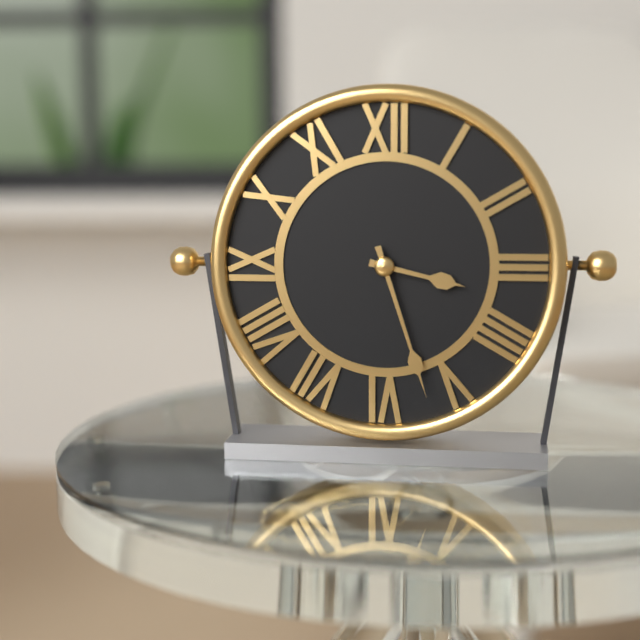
3.27
